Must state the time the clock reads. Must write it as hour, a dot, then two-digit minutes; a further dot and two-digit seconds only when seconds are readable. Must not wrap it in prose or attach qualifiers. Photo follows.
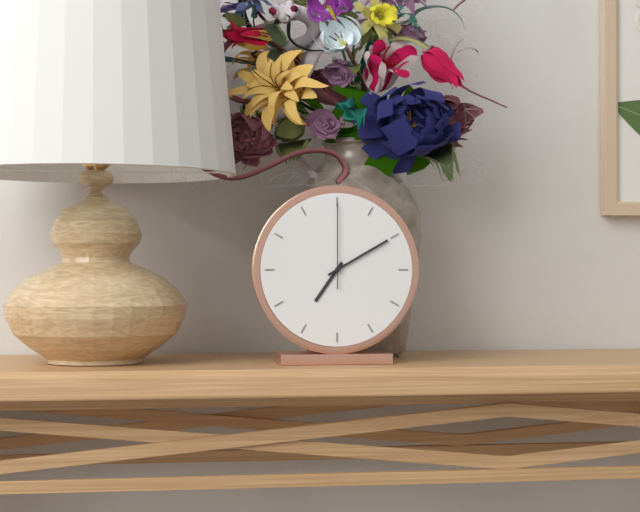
7.10.00
